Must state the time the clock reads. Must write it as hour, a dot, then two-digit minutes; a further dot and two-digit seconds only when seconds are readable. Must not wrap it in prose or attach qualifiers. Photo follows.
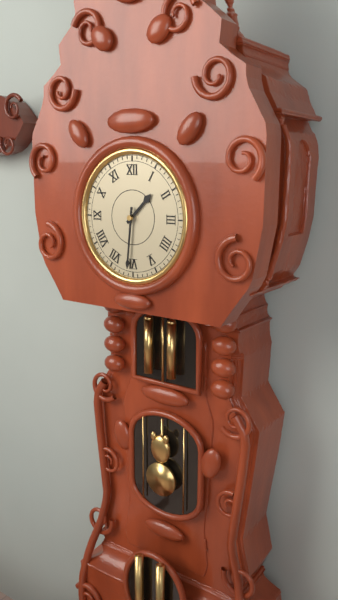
1.31
